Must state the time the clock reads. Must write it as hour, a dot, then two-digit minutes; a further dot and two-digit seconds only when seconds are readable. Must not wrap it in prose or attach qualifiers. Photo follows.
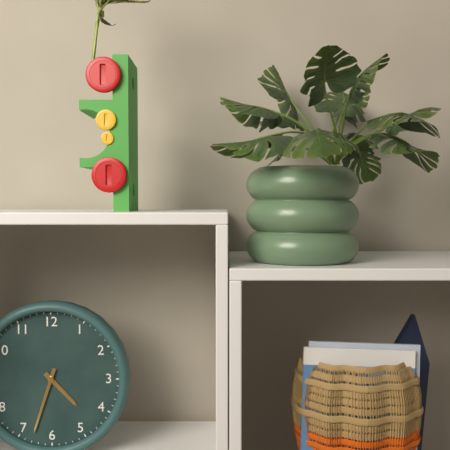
4.33
